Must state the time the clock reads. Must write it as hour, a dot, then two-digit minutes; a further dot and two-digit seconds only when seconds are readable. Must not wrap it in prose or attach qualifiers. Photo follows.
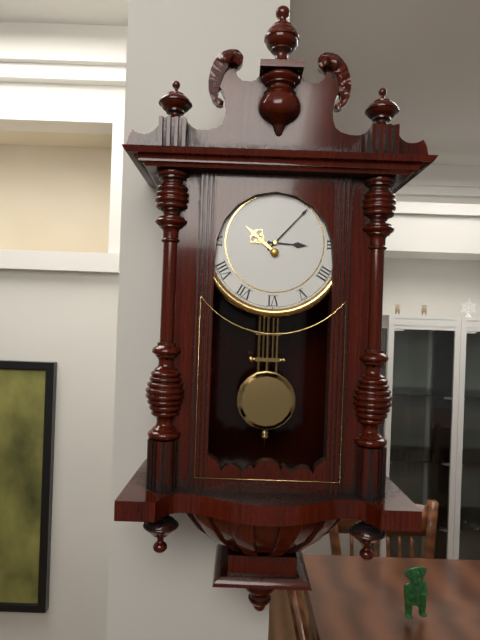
3.07
